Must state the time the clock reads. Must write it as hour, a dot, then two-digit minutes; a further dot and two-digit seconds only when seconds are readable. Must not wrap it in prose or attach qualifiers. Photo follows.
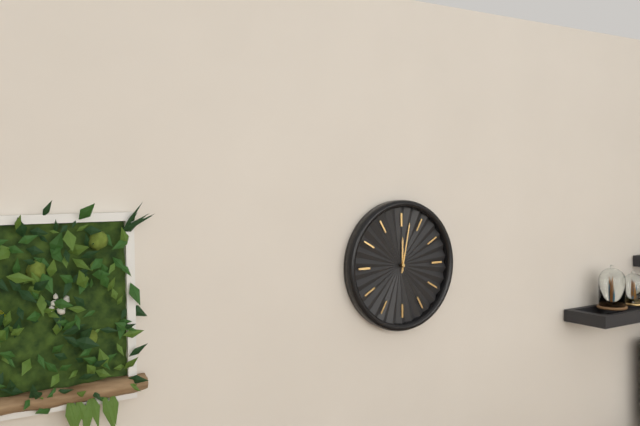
12.02
